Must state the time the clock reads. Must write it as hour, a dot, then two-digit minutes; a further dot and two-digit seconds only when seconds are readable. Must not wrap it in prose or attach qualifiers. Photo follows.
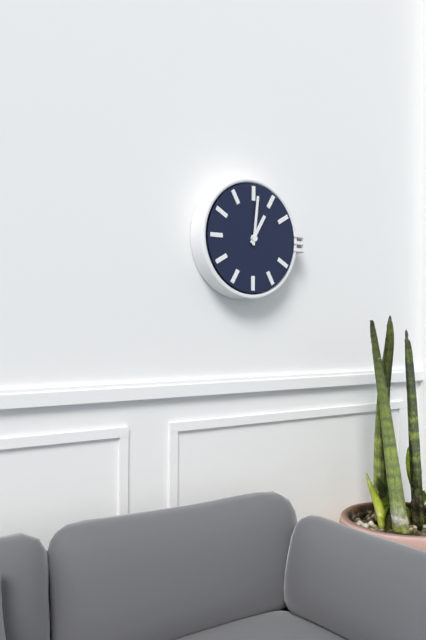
1.01
